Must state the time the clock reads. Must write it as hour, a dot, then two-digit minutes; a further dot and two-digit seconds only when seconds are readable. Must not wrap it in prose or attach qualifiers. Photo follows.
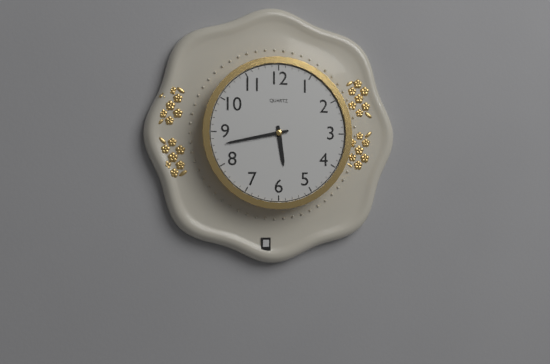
5.43
